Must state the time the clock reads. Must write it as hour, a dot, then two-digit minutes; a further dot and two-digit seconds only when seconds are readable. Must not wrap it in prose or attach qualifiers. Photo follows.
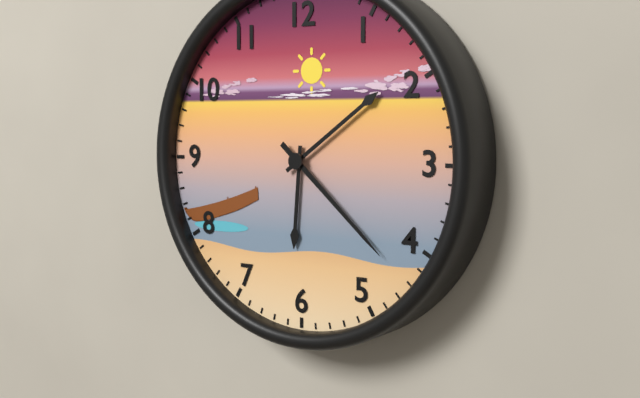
6.09.22
